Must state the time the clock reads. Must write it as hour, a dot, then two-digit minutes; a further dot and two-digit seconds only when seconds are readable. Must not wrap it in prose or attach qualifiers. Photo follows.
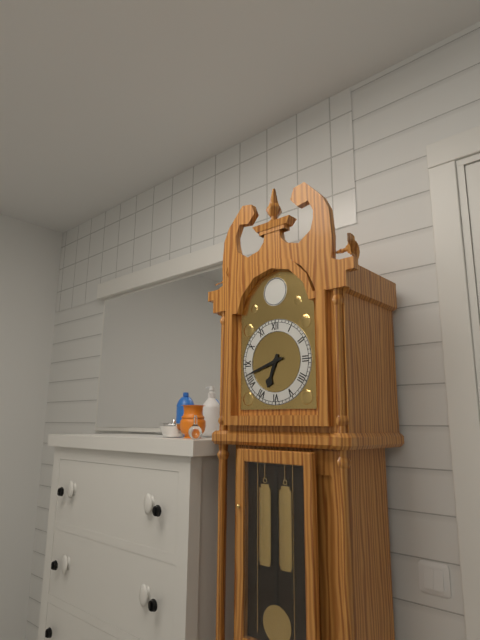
6.42
